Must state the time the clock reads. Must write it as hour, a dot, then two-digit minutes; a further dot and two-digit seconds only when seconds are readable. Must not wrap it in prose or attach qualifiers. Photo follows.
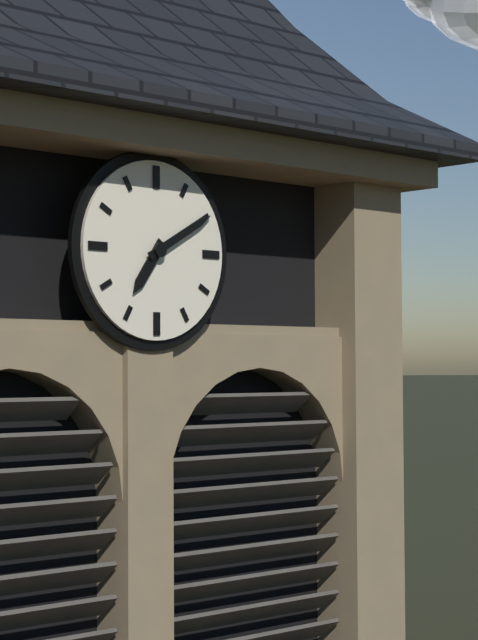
7.10
